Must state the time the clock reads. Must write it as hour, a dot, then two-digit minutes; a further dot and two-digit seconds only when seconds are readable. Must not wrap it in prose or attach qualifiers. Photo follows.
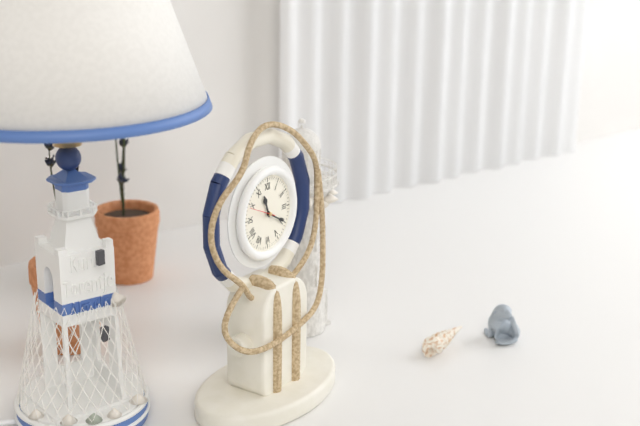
11.20
